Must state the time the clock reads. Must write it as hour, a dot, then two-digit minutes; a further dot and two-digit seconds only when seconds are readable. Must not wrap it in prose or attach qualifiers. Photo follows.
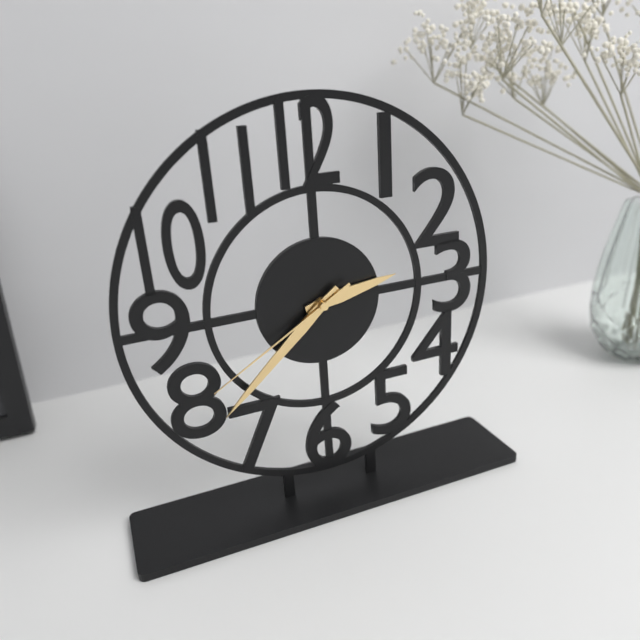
2.38.40
